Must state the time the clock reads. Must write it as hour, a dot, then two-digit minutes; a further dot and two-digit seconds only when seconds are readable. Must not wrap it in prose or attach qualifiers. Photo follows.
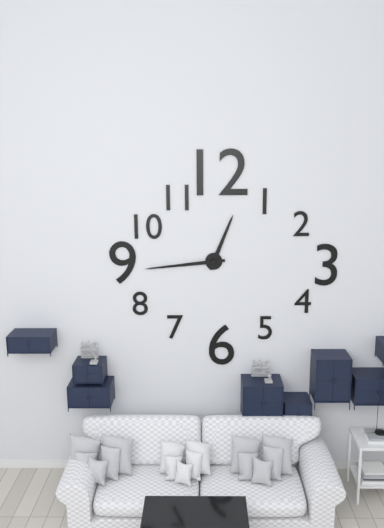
12.44
